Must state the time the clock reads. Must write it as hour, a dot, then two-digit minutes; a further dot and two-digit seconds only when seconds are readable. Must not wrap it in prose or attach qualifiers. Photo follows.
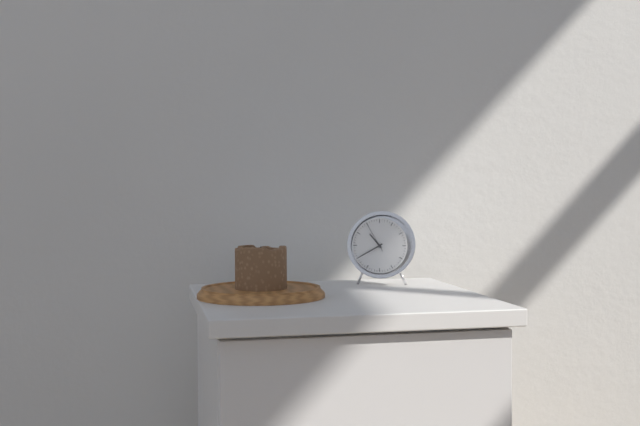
10.40
